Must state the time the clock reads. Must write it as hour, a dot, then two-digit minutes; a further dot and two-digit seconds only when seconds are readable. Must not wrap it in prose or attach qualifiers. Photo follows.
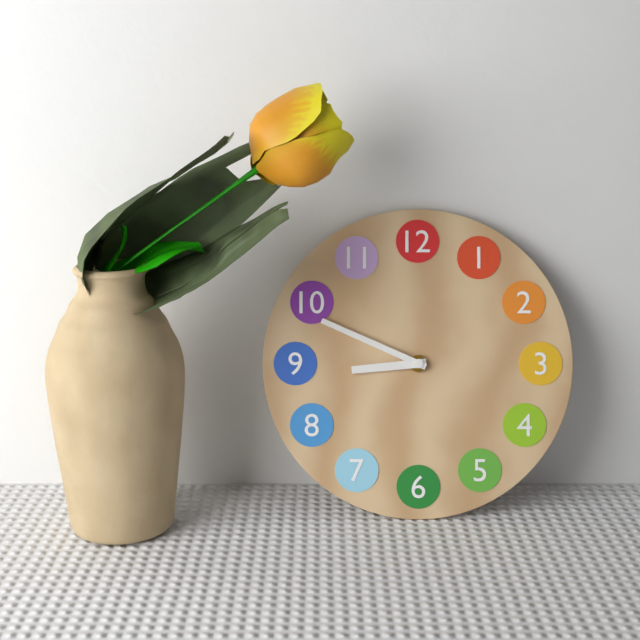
8.49
